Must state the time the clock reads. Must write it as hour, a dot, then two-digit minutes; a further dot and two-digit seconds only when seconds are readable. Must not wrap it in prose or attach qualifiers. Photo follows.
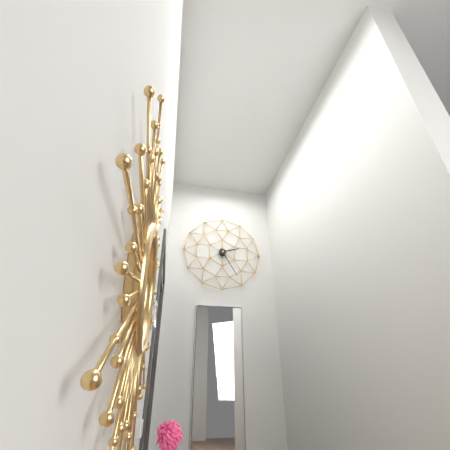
2.25
